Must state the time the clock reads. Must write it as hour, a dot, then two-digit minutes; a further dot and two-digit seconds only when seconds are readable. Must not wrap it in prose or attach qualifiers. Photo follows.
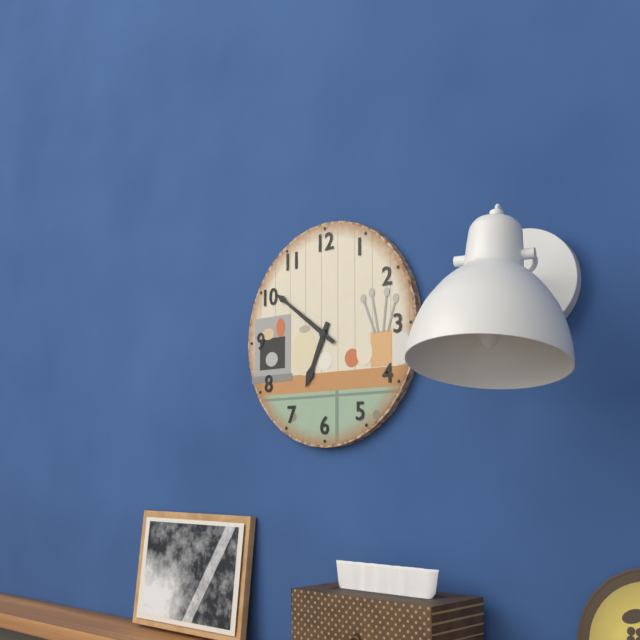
6.51
